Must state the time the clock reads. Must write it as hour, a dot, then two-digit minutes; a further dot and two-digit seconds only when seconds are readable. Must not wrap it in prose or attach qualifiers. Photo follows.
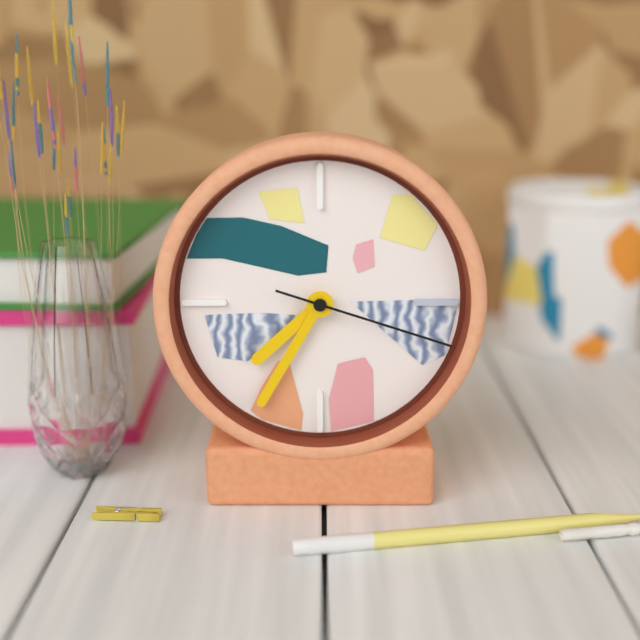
7.35.18
